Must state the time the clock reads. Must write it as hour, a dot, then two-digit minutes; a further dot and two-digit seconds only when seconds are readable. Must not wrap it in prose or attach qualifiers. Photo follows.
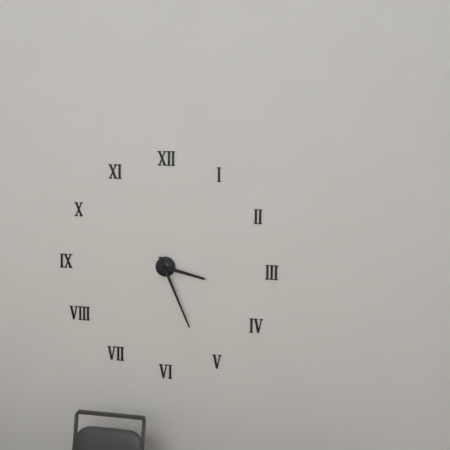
3.26
